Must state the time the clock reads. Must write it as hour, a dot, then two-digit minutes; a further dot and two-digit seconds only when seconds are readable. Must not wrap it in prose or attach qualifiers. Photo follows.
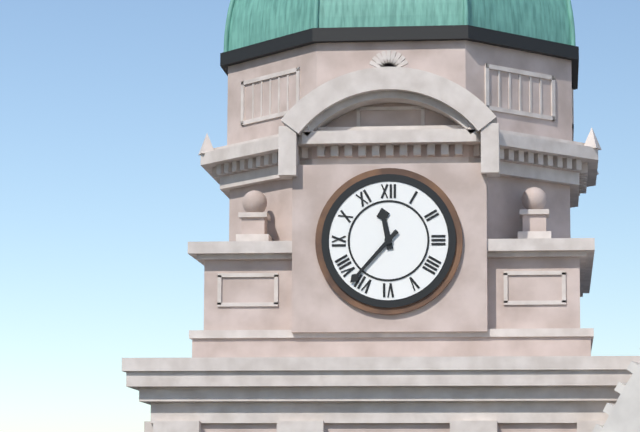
11.37
